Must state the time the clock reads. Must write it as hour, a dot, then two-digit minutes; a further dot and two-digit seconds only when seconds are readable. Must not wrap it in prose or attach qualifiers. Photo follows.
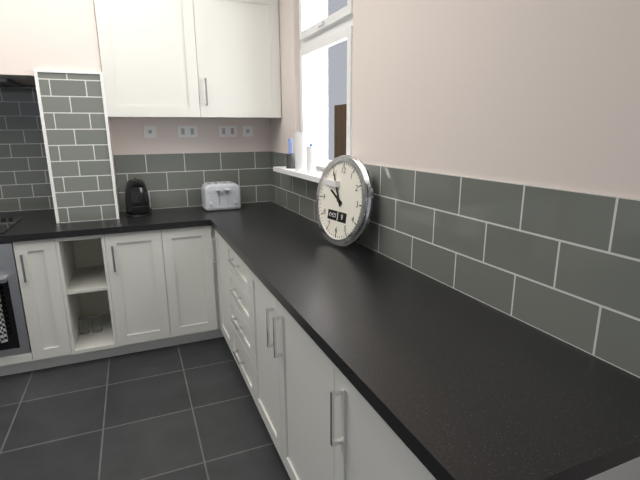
9.55
